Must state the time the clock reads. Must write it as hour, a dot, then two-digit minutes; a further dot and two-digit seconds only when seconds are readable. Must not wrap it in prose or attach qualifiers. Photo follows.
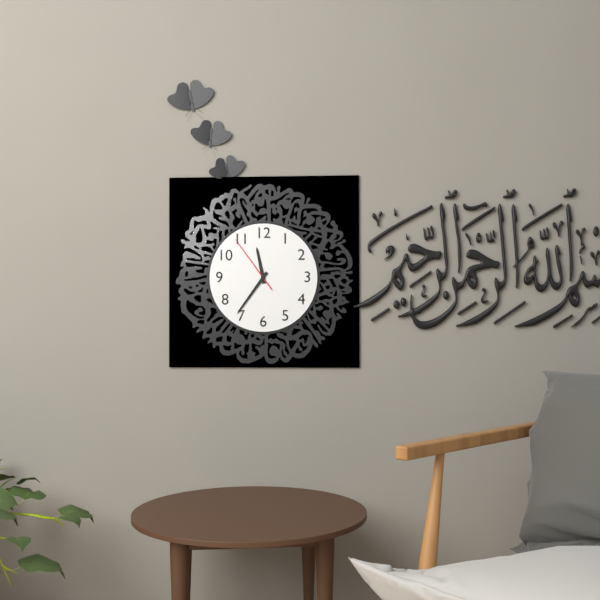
11.36.54
